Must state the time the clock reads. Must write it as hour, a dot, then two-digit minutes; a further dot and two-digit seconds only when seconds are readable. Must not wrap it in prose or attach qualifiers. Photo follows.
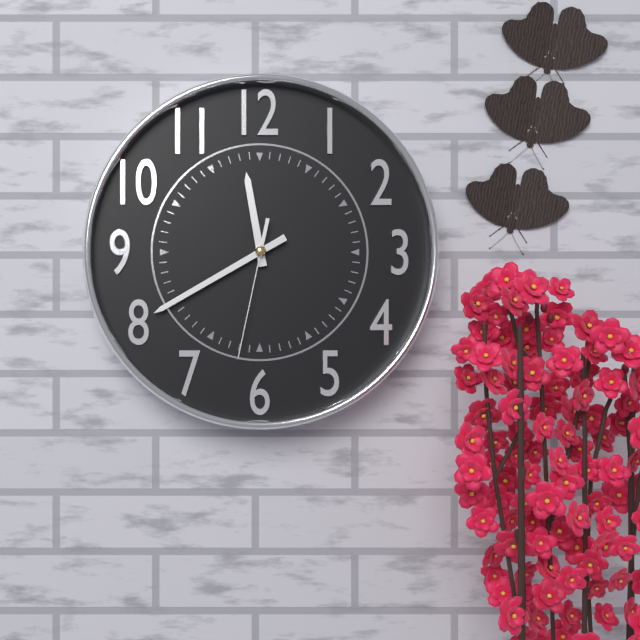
11.40.32
